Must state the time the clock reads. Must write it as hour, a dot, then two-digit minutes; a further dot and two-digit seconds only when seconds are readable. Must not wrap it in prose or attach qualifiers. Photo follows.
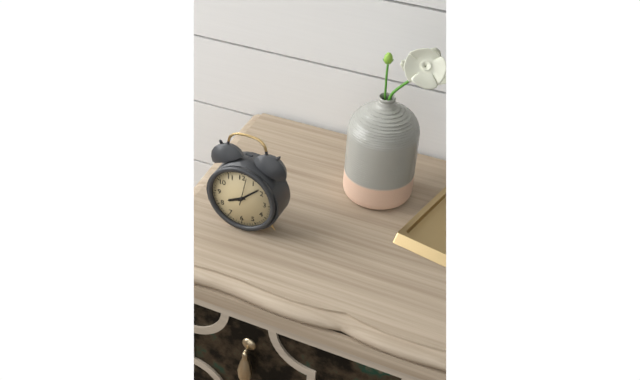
8.08
